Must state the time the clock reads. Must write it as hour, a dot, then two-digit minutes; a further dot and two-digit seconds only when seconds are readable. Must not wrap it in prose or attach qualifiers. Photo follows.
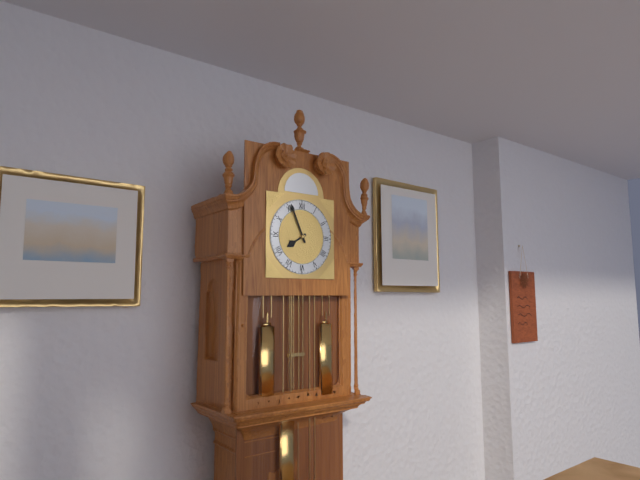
7.56
